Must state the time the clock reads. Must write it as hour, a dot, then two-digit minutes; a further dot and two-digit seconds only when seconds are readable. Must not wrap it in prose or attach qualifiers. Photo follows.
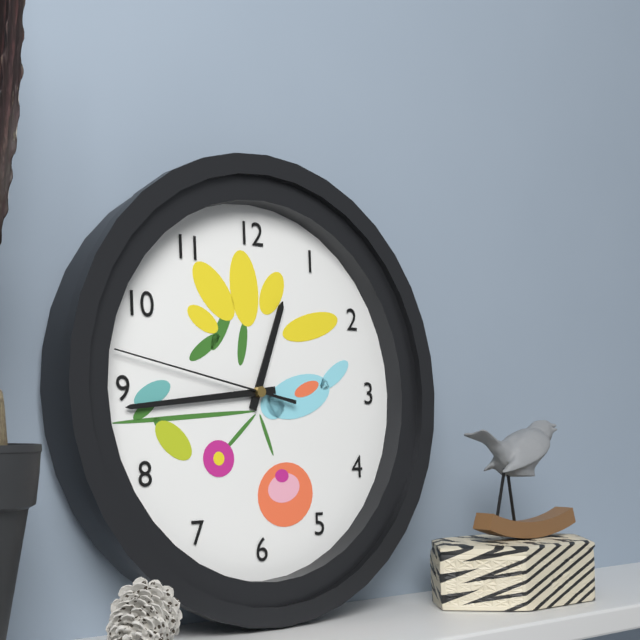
12.44.47
